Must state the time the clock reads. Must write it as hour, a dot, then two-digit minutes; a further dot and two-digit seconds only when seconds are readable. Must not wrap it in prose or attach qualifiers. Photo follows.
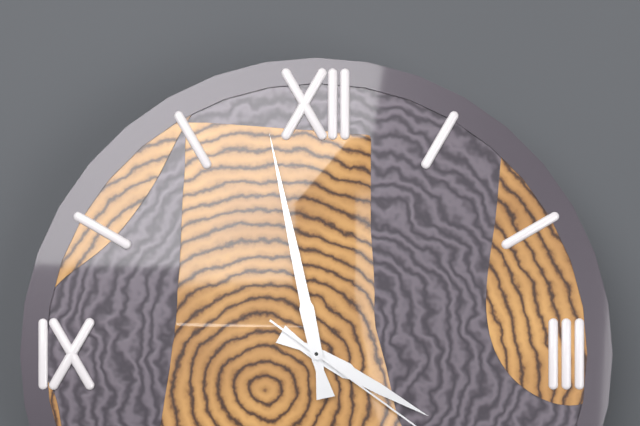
3.58
